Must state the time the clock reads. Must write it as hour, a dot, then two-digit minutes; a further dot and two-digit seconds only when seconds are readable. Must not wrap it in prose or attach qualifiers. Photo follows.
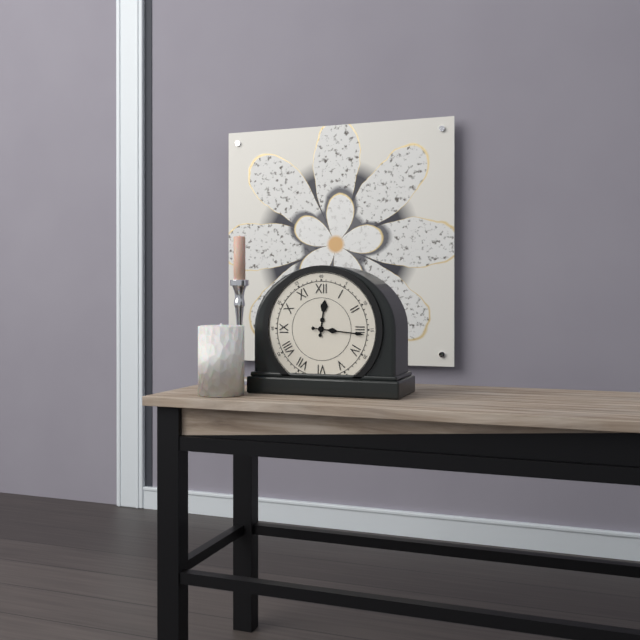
12.16
